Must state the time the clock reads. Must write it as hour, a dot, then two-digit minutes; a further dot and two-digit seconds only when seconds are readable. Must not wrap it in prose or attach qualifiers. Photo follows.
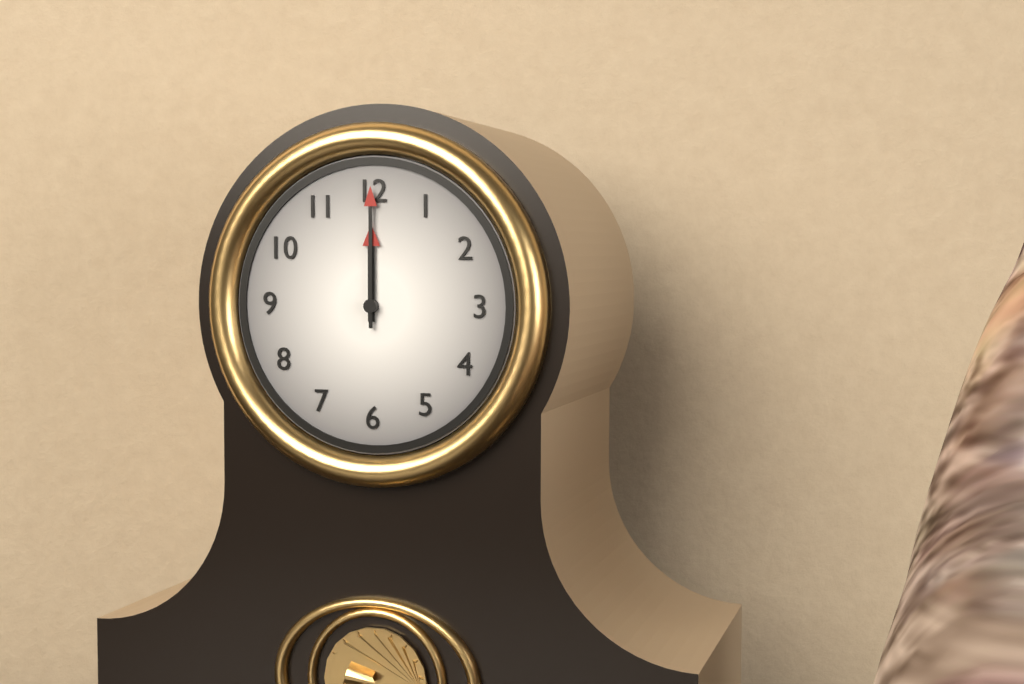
12.00
